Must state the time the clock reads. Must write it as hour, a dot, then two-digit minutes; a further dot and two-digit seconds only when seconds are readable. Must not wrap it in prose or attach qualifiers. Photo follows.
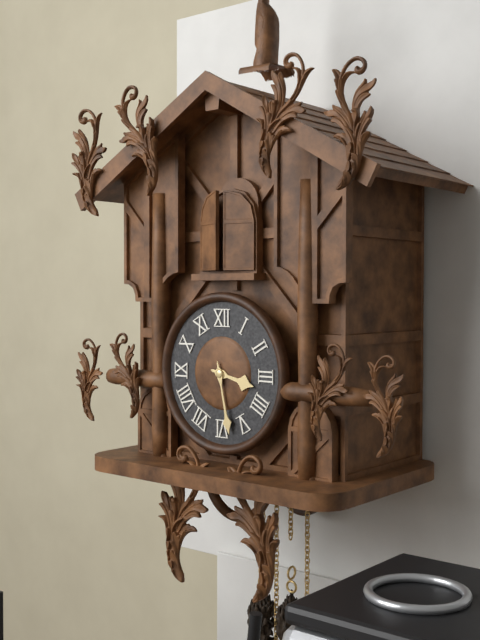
3.28
